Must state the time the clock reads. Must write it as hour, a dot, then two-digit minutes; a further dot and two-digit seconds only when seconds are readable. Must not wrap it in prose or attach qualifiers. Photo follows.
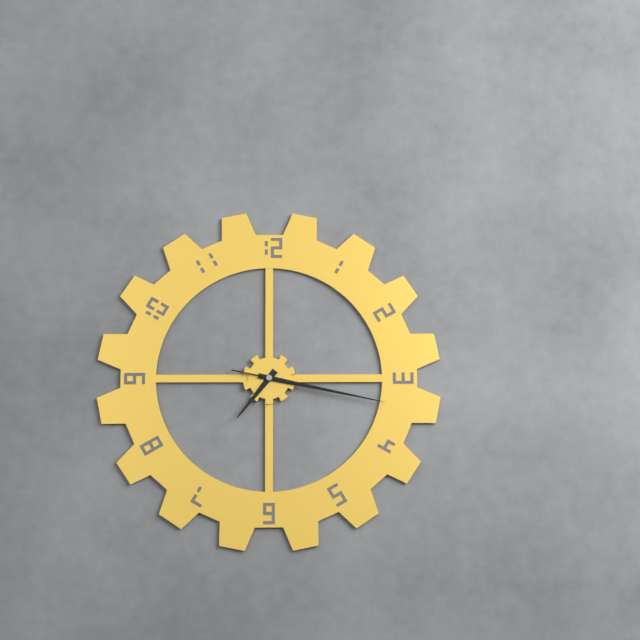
7.17.17
